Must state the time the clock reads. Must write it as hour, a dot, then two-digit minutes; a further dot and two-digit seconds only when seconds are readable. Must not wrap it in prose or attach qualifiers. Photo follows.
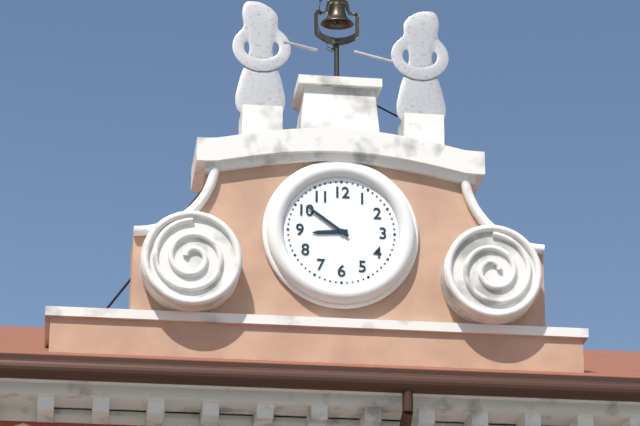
8.51
